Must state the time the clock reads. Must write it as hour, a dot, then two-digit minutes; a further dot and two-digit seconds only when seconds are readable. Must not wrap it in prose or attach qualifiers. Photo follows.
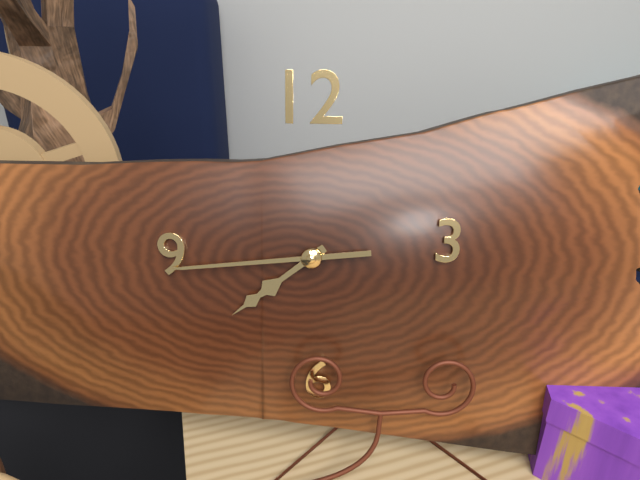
7.44
